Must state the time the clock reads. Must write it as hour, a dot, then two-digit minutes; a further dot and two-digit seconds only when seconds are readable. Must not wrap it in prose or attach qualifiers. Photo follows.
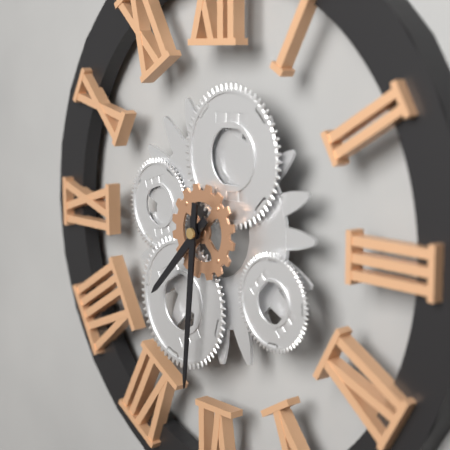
7.31
